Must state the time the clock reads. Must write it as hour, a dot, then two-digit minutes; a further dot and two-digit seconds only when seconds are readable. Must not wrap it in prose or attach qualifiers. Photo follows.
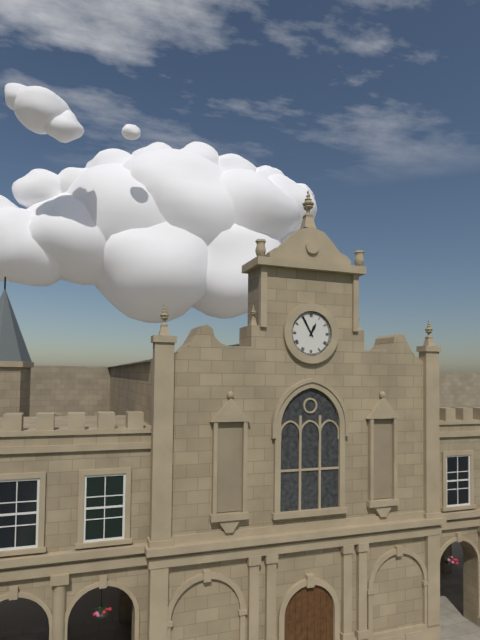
12.55
